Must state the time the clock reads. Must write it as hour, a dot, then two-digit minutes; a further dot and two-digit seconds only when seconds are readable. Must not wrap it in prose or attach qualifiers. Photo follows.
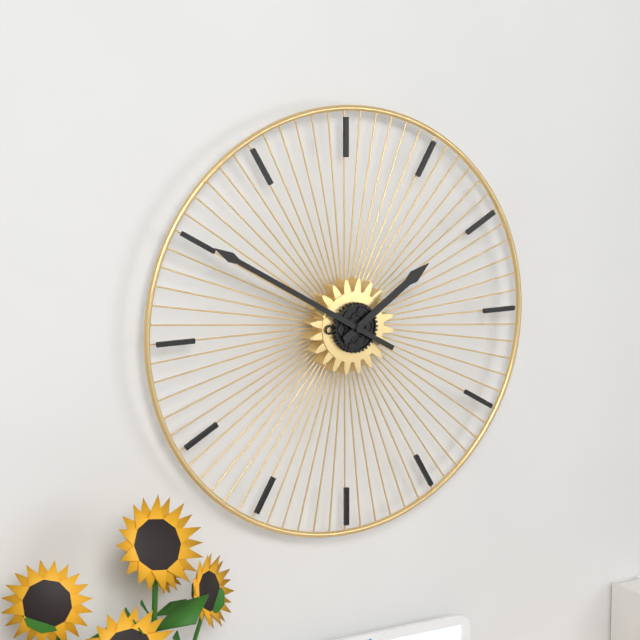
1.50
